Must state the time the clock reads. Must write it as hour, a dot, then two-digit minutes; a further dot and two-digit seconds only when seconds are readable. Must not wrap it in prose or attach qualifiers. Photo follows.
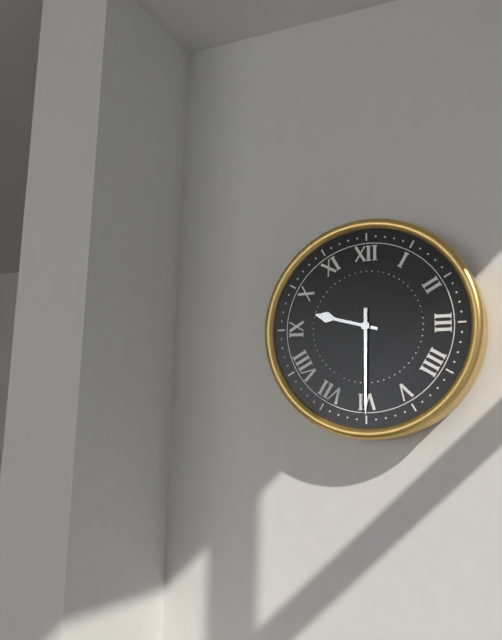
9.30
